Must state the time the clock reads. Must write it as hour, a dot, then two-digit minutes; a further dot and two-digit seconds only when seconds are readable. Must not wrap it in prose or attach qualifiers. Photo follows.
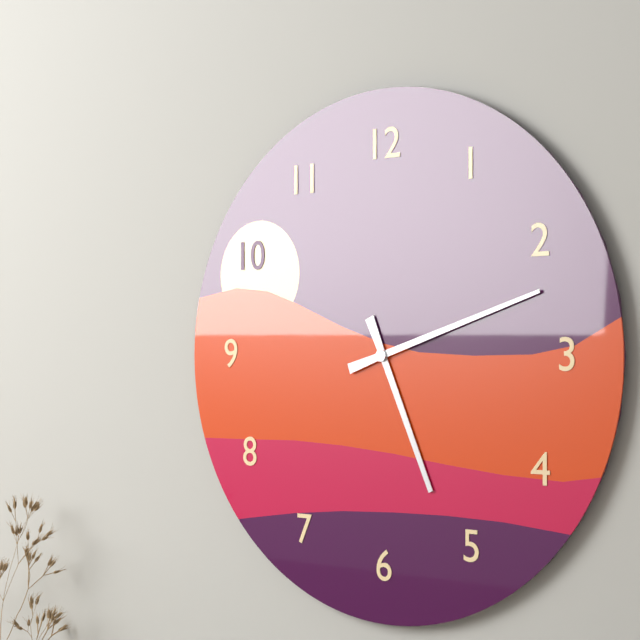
5.12
